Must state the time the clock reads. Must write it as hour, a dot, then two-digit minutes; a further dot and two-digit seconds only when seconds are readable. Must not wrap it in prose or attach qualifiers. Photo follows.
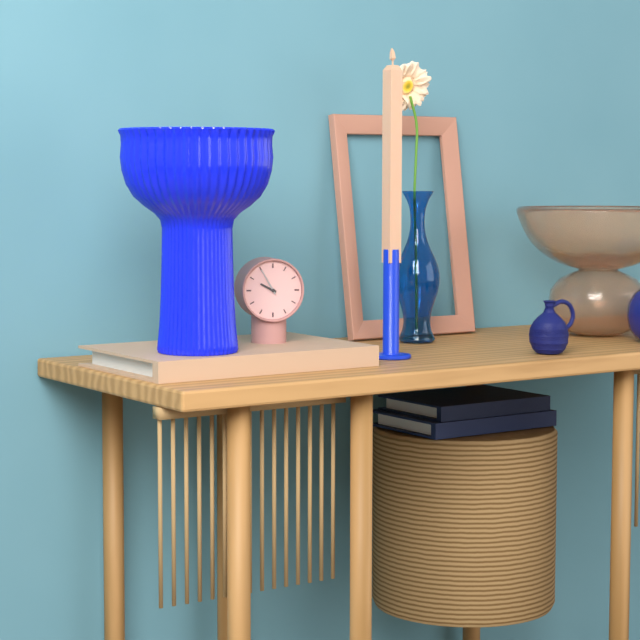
9.55
